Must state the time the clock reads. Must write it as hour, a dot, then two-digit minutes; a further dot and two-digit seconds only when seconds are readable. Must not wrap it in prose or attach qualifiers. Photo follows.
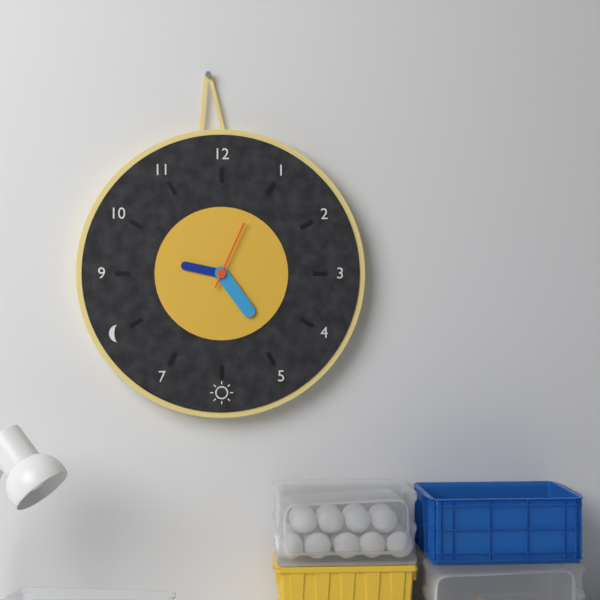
9.24.04
